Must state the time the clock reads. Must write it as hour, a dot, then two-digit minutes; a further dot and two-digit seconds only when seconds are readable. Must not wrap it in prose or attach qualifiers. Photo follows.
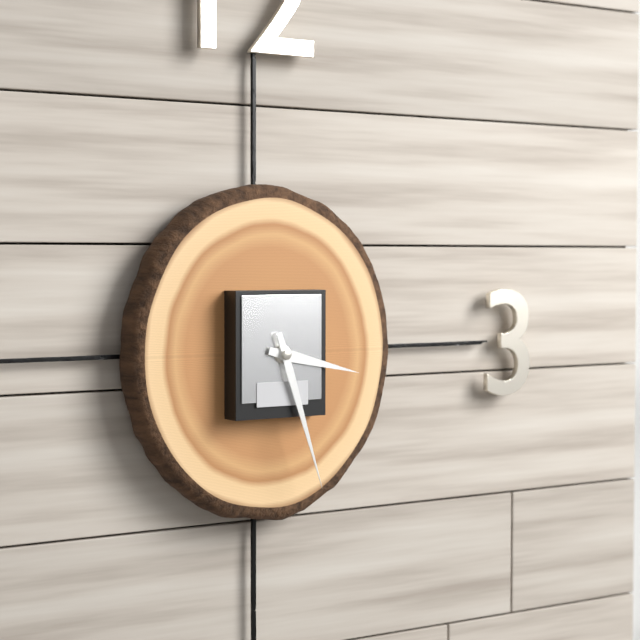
3.27
